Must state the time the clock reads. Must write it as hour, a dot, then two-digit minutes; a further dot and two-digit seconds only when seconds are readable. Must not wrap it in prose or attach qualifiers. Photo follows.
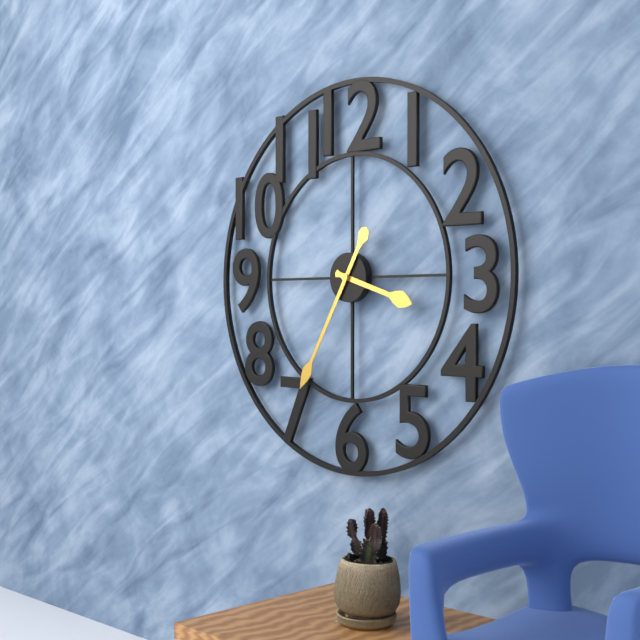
3.35
